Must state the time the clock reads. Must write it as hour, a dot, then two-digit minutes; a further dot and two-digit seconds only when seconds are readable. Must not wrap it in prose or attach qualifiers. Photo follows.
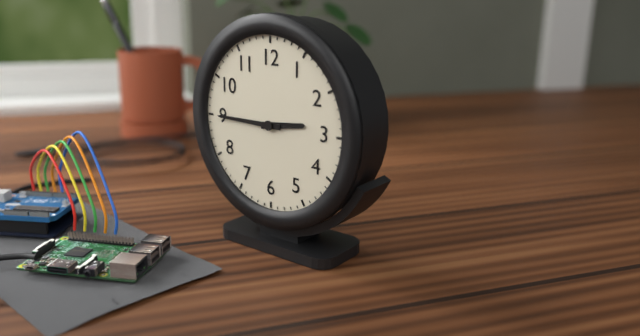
2.45
